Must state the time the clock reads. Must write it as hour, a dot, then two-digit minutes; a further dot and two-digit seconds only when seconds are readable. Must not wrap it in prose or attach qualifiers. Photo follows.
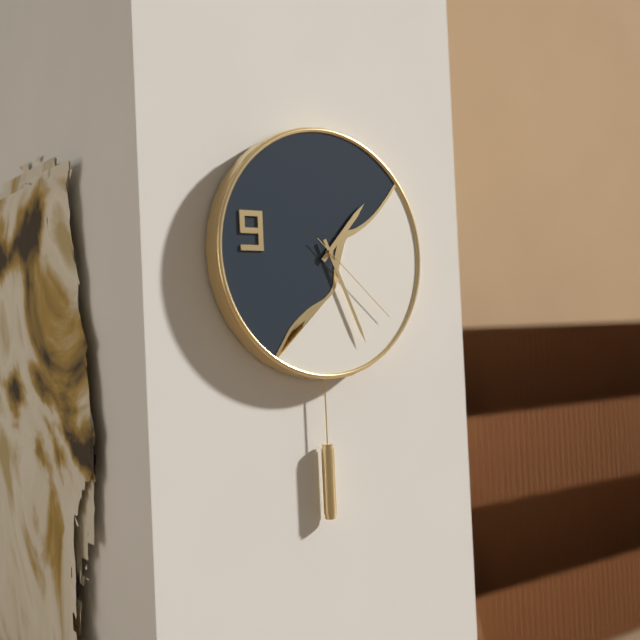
1.26.22
